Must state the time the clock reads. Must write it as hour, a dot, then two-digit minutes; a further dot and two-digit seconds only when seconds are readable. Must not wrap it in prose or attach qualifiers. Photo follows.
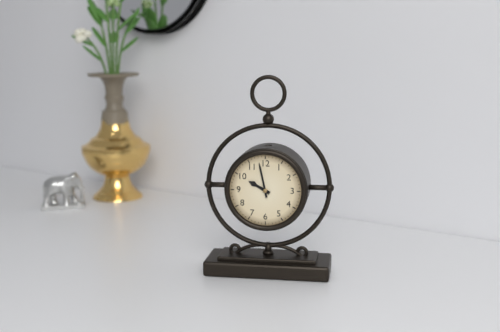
9.58
